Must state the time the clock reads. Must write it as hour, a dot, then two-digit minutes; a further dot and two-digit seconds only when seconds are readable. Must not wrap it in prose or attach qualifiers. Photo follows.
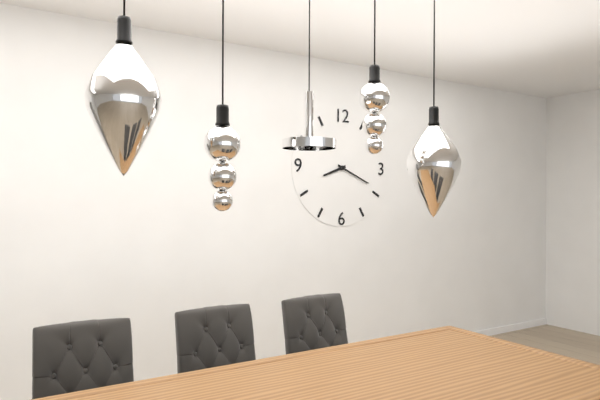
8.19
